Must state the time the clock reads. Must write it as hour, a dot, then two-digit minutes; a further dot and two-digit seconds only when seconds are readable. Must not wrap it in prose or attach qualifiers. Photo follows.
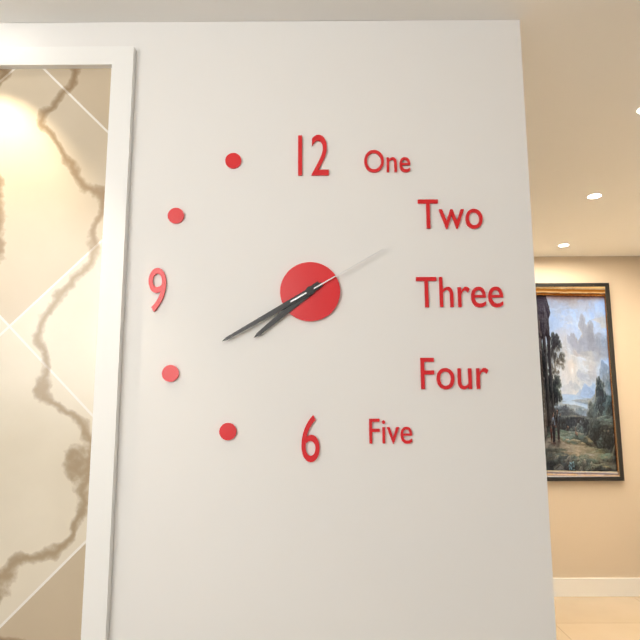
7.40.10
